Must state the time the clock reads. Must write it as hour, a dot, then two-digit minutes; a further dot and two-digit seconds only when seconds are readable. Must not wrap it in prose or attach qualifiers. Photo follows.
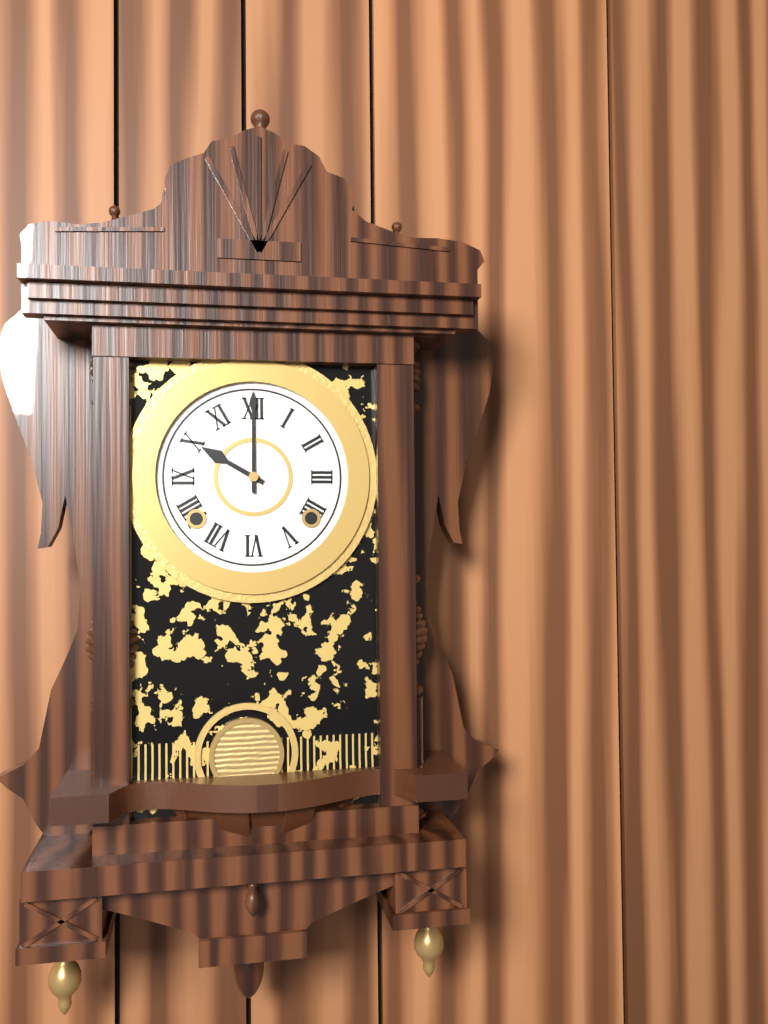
10.00
